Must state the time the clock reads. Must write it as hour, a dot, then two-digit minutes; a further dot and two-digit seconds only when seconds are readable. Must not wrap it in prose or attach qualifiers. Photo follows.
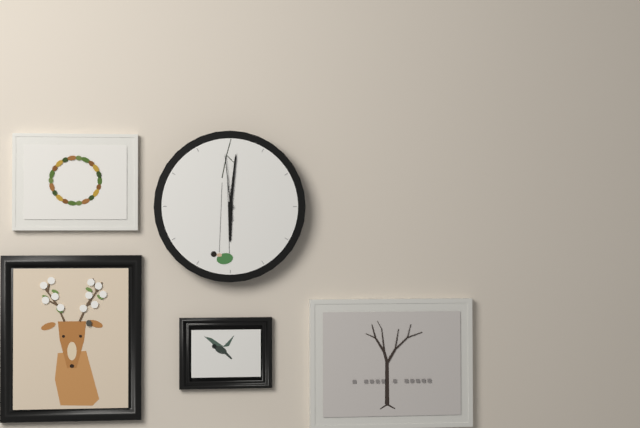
6.01.59
